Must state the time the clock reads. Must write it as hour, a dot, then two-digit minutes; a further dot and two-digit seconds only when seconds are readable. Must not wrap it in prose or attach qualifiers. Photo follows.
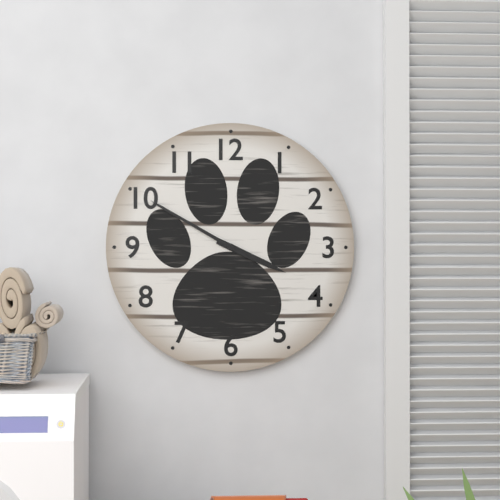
3.50
